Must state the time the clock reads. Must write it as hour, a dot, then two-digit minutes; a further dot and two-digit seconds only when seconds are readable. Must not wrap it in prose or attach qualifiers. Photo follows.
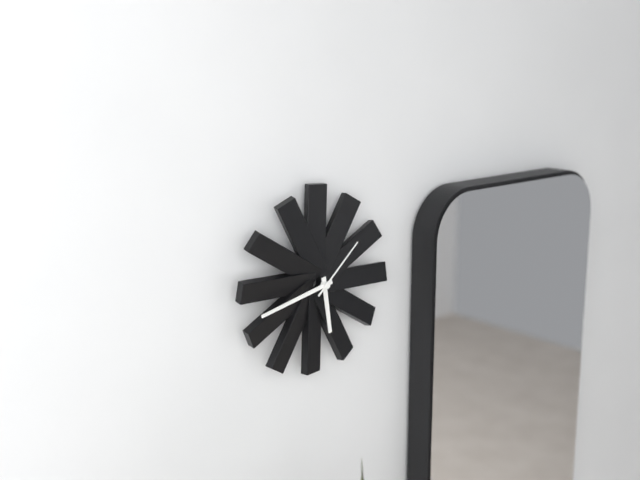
5.43.08
